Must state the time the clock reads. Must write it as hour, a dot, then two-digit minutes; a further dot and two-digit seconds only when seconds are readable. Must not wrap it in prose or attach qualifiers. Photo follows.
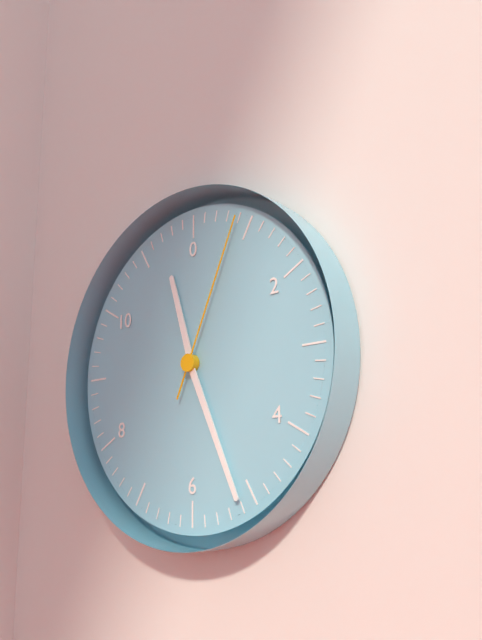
11.26.04
